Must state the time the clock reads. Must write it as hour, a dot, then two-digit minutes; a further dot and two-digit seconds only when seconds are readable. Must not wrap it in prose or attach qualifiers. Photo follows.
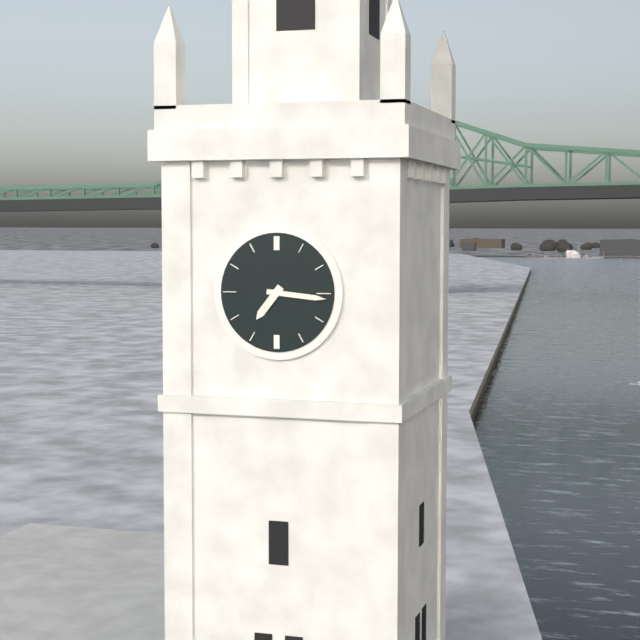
7.16
